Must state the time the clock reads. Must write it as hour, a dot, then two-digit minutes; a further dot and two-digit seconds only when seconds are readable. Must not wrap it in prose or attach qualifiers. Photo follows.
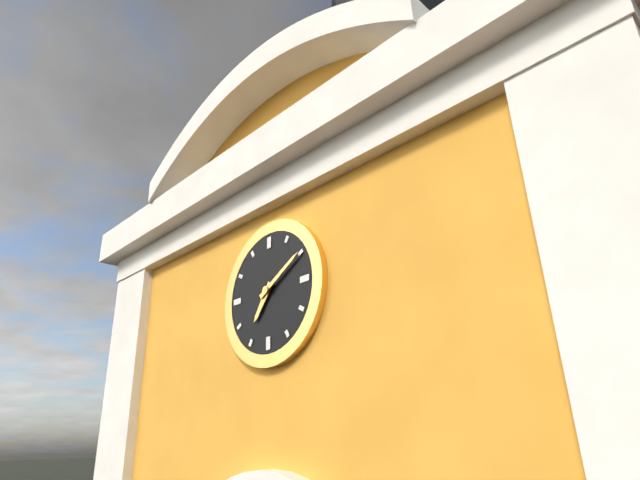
7.10
